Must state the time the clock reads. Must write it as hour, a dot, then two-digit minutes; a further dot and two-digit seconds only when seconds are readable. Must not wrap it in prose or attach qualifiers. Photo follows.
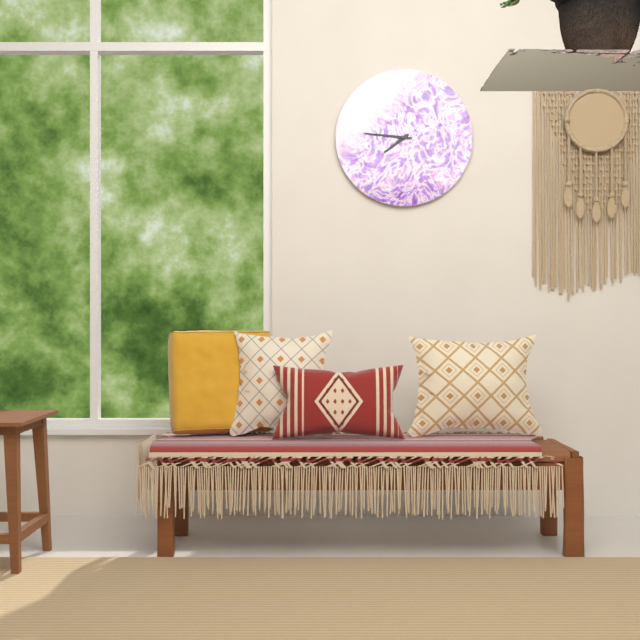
7.46
